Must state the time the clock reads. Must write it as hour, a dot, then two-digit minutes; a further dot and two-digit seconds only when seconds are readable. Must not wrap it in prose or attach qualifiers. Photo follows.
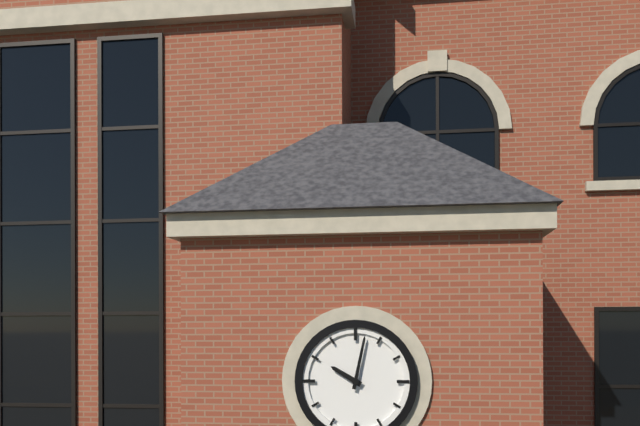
10.02
